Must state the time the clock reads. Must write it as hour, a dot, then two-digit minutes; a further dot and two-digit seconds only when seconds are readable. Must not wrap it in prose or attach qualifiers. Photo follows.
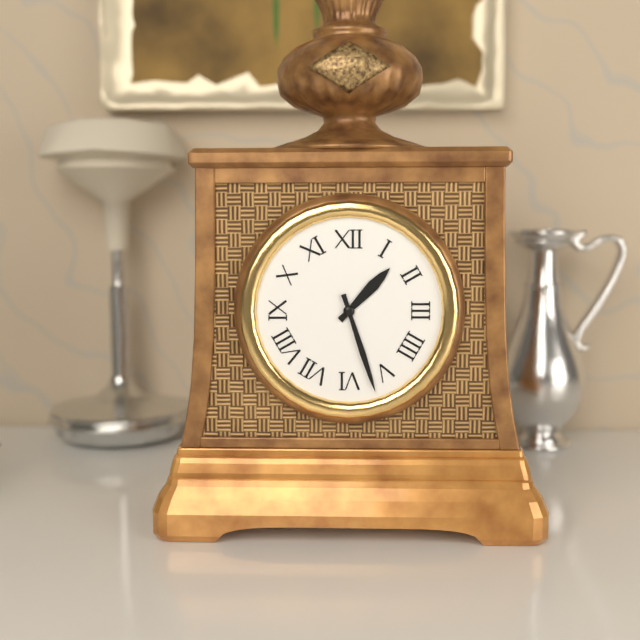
1.27
